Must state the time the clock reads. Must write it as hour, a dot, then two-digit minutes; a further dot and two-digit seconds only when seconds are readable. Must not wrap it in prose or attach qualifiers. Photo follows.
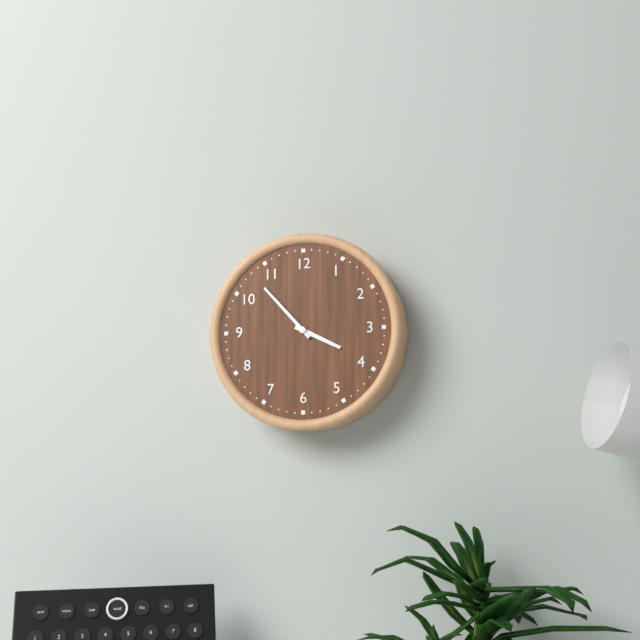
3.53
